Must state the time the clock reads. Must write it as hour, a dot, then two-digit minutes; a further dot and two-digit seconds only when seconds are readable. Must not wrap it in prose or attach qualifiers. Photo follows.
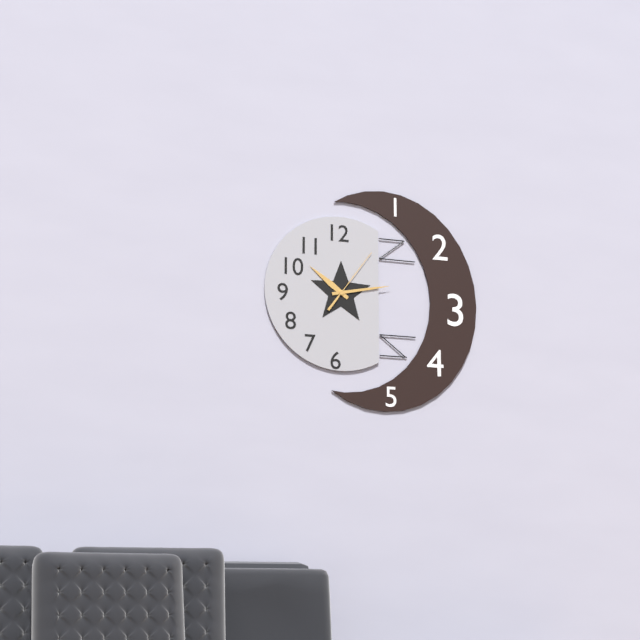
10.13.06
